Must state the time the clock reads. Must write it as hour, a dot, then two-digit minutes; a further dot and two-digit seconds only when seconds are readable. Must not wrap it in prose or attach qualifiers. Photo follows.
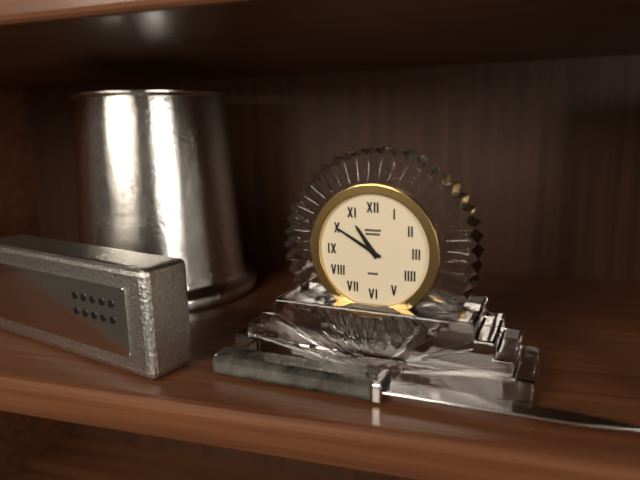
10.50
